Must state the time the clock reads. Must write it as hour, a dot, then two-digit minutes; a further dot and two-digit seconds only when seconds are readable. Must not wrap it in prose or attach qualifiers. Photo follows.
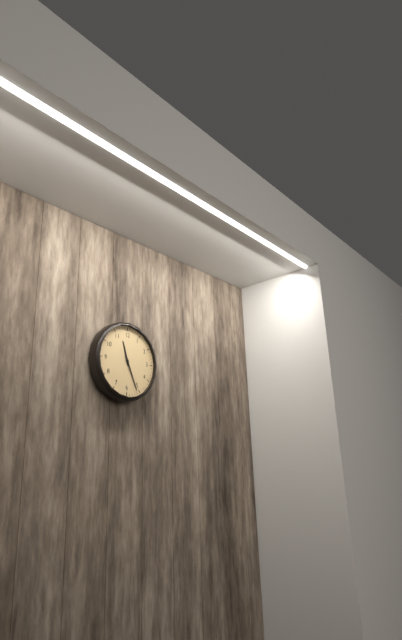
11.26
